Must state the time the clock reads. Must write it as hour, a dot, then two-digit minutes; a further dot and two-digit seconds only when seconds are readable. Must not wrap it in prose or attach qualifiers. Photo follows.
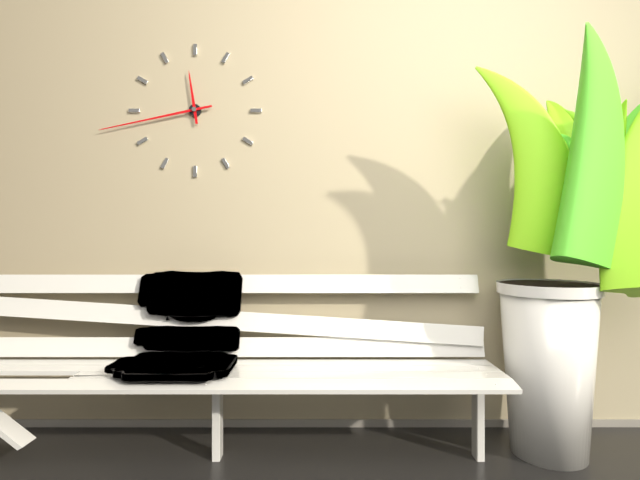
11.43
